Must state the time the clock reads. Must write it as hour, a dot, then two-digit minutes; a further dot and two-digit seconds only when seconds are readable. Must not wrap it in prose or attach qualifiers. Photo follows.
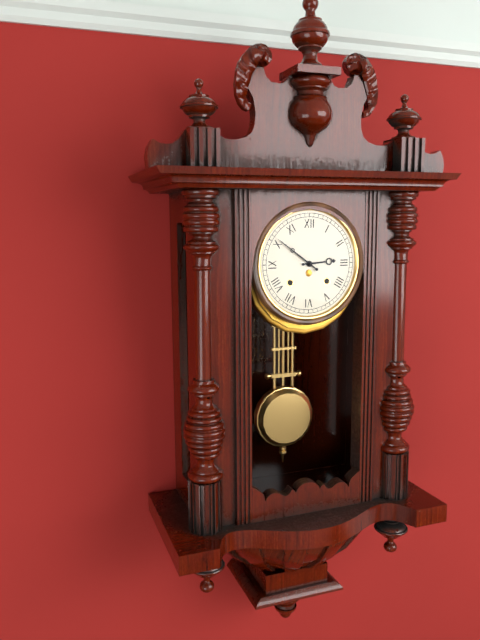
2.51
